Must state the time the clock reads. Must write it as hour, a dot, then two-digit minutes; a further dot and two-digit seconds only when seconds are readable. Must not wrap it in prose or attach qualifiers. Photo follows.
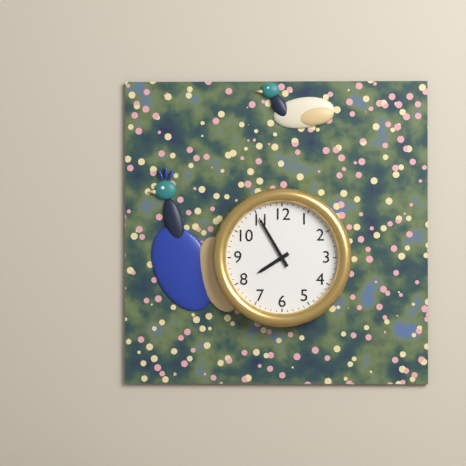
7.55
